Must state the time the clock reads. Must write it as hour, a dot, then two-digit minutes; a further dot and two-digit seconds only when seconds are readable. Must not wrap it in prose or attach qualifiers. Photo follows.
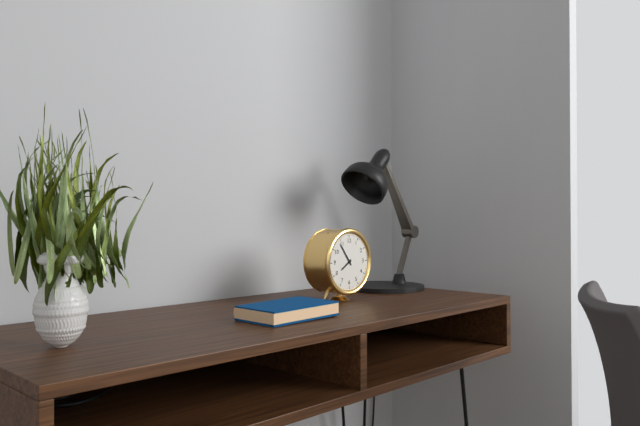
7.54
